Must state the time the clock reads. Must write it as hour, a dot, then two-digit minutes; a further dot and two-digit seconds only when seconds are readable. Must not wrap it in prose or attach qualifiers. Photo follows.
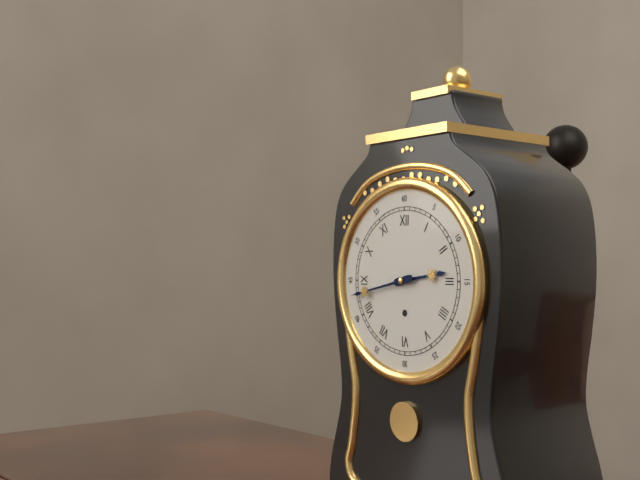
2.43
